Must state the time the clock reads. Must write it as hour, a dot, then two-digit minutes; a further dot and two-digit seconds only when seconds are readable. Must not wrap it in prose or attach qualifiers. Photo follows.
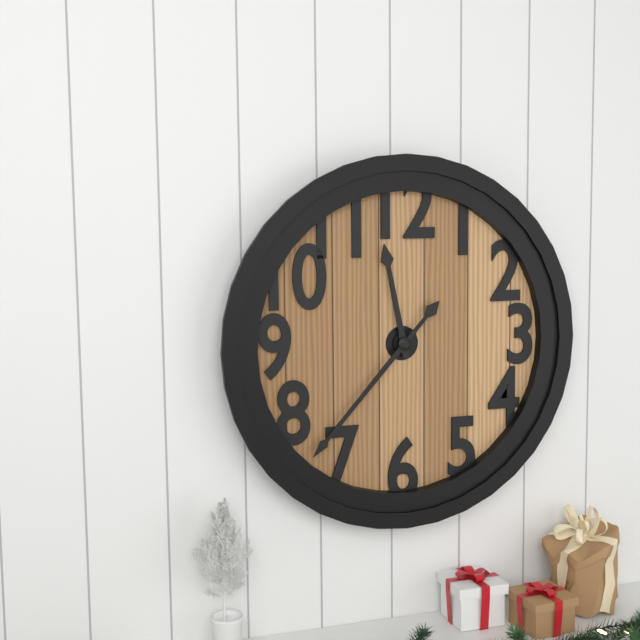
11.37
